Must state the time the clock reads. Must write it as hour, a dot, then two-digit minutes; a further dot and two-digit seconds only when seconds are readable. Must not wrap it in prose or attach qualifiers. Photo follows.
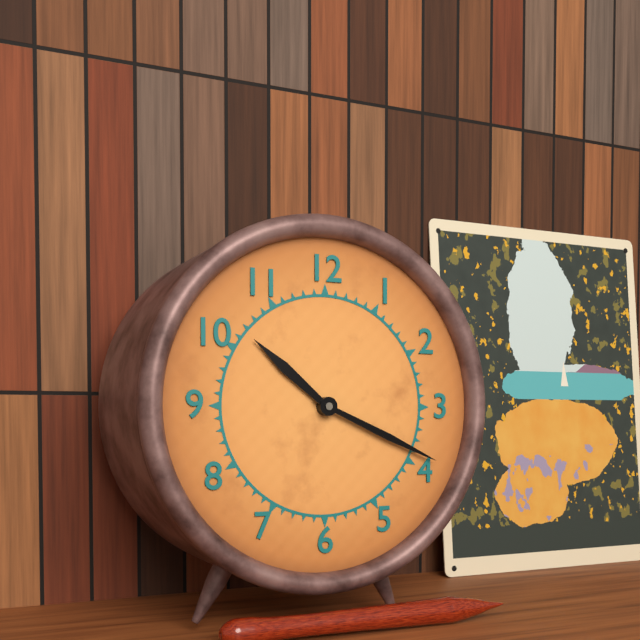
10.19
